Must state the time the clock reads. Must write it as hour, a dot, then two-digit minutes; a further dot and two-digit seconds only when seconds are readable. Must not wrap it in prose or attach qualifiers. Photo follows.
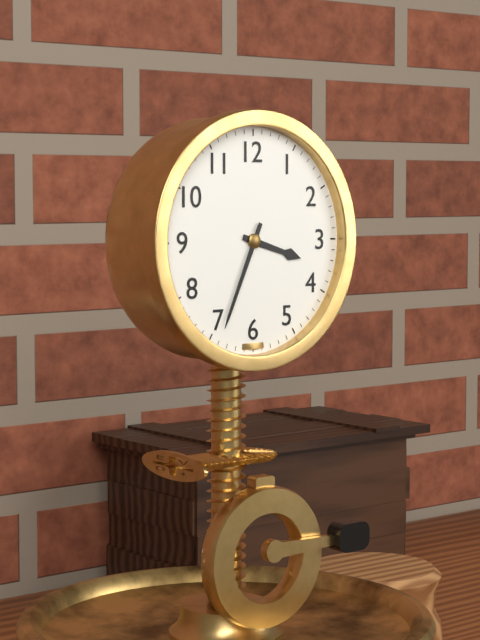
3.34
